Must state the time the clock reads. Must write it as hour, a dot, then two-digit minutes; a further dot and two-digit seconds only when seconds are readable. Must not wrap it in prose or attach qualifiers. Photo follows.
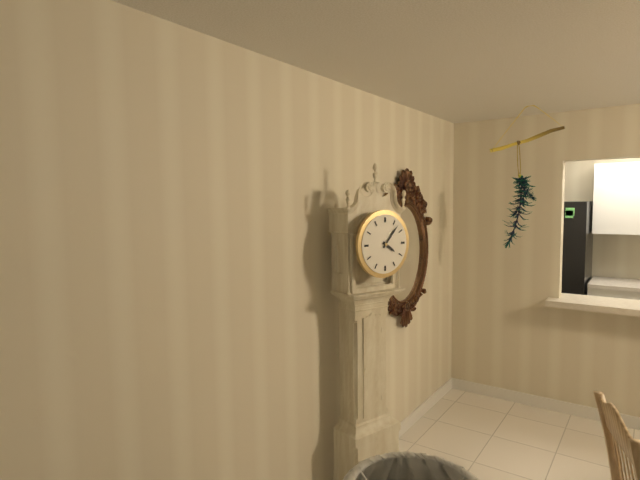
4.07
